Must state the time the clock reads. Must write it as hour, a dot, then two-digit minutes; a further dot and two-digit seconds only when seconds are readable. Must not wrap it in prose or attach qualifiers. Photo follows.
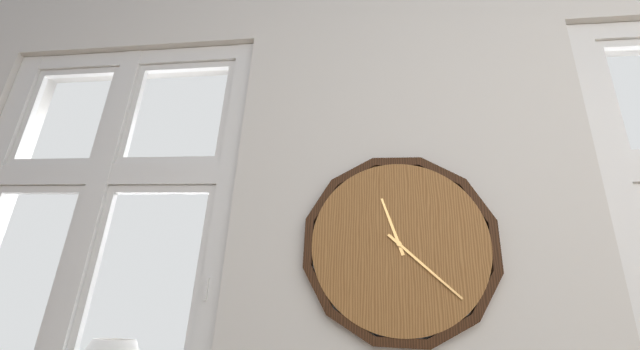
11.22
